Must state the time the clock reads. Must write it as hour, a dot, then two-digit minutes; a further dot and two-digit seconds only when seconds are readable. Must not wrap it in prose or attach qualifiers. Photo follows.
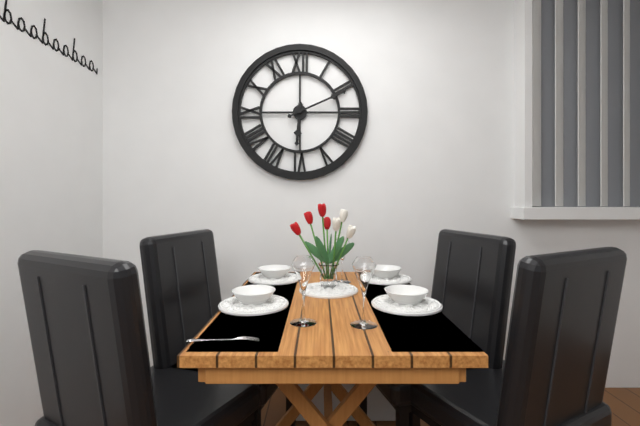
6.11
